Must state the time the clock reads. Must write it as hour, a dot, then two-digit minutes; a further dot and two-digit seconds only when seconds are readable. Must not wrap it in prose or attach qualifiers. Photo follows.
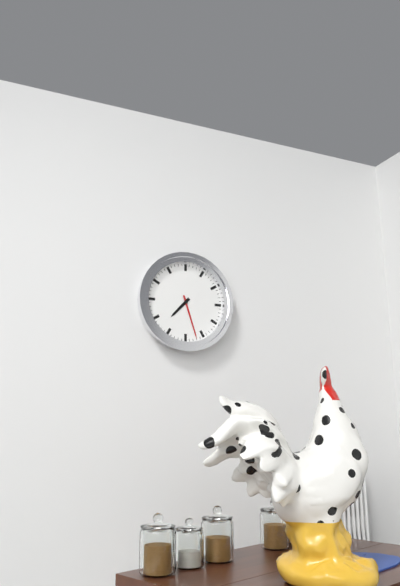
7.27
